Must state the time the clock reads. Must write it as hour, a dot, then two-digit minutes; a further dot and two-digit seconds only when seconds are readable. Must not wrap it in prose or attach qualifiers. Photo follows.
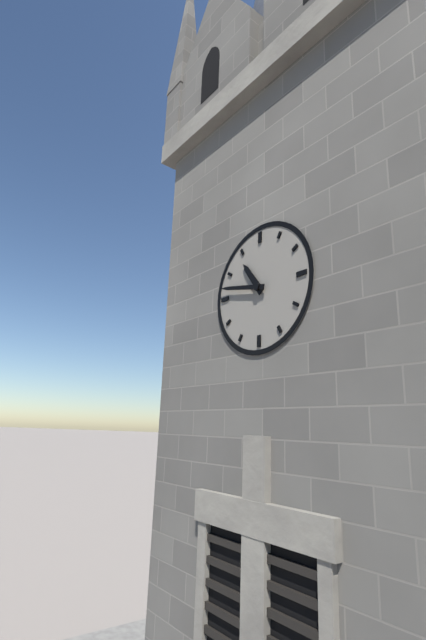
10.47
